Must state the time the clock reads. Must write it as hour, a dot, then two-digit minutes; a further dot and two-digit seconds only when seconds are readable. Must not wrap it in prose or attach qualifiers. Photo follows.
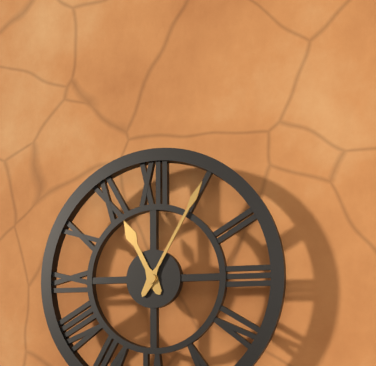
11.05
